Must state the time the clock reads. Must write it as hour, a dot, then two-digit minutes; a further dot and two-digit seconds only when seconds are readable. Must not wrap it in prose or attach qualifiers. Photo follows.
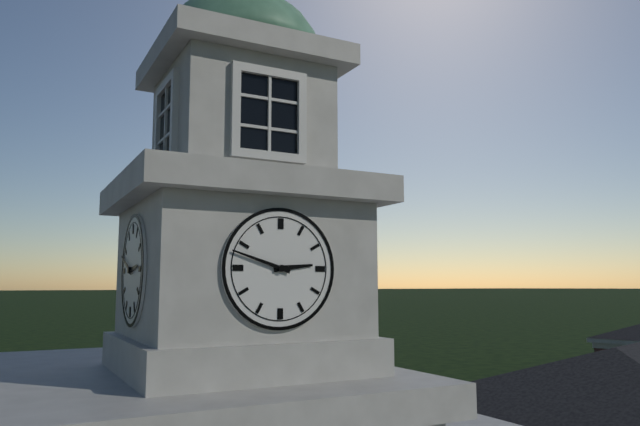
2.48
